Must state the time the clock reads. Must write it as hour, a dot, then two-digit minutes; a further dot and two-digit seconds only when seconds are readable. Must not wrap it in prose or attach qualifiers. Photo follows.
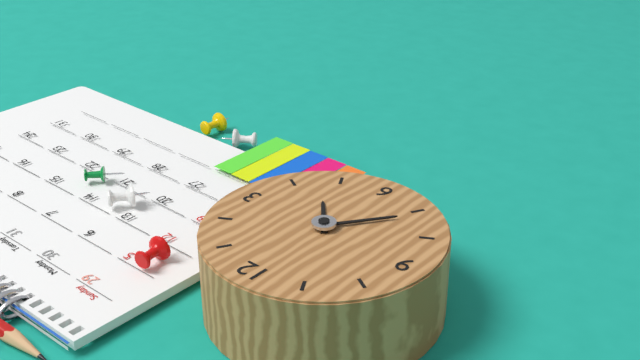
4.36
